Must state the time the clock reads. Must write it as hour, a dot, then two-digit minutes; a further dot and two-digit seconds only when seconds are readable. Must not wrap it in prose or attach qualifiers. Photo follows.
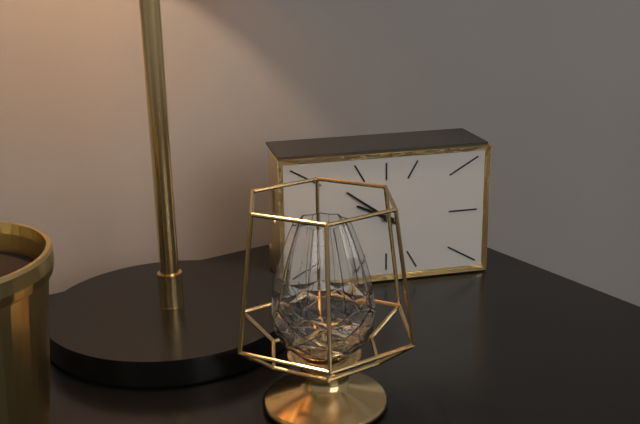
9.51
